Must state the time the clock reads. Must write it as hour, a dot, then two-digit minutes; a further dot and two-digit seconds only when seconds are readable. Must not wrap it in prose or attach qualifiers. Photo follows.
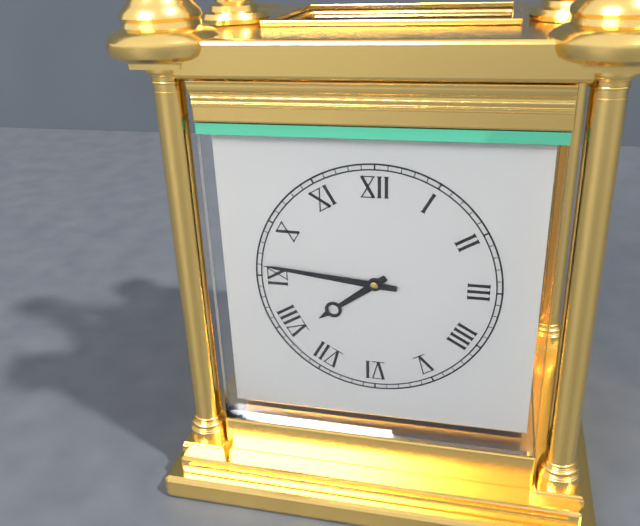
7.46
